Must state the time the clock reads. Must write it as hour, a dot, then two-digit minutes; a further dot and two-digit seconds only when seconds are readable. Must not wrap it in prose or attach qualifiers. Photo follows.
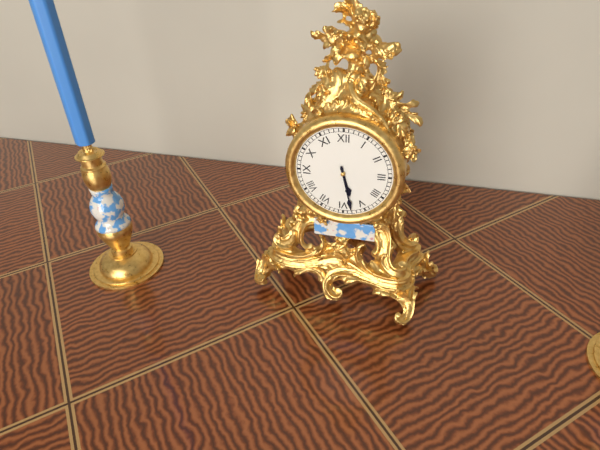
5.28
